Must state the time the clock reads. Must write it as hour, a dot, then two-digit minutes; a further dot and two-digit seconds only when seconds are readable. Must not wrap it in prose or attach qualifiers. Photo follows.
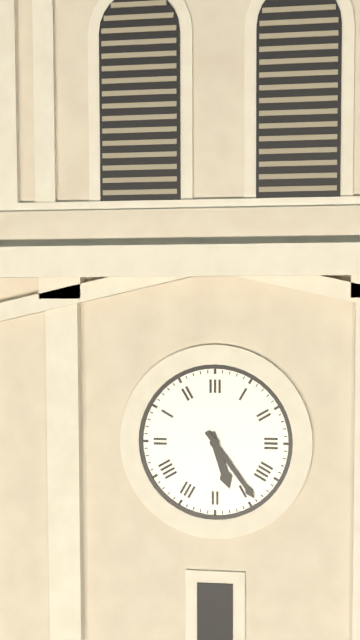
5.24
